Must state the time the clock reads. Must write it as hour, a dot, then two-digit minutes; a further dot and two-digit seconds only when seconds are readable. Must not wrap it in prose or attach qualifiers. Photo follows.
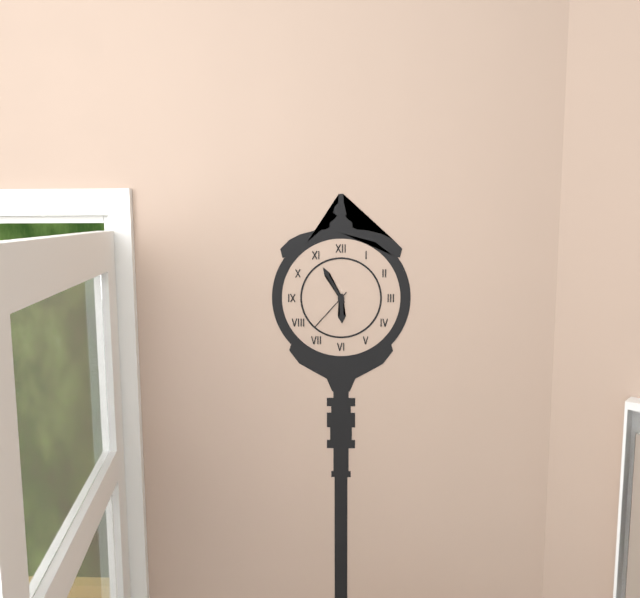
5.55
